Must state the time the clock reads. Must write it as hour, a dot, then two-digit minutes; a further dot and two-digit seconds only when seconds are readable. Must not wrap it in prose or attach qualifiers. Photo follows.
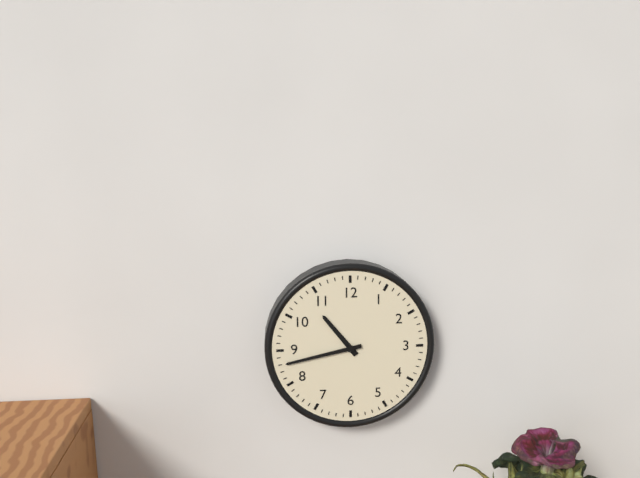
10.43
